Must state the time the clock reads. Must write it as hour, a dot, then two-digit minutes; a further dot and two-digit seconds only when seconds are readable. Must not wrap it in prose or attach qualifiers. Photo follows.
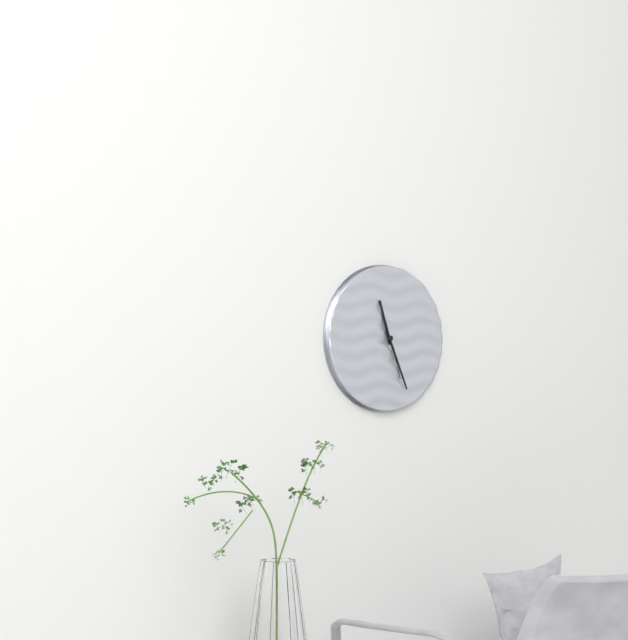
11.26.27
